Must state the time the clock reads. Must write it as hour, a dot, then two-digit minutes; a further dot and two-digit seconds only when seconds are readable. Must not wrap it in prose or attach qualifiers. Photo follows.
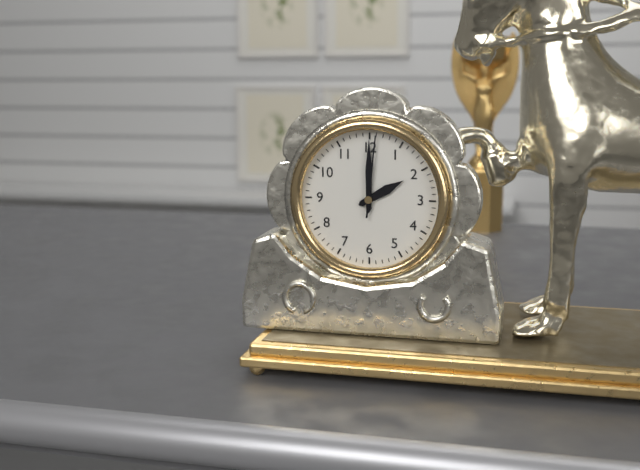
2.00.01
